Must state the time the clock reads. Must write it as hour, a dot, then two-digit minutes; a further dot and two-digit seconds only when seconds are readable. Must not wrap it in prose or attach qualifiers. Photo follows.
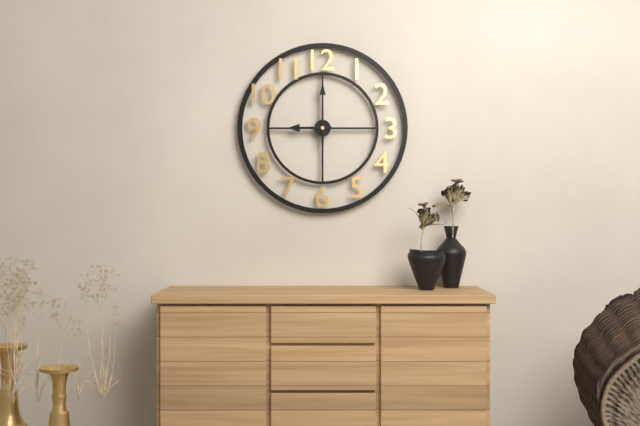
9.00
